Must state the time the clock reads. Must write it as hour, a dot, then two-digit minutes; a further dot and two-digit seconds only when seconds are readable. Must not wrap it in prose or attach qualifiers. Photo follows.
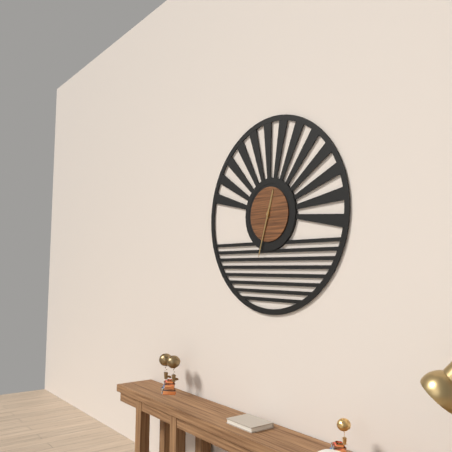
12.33
